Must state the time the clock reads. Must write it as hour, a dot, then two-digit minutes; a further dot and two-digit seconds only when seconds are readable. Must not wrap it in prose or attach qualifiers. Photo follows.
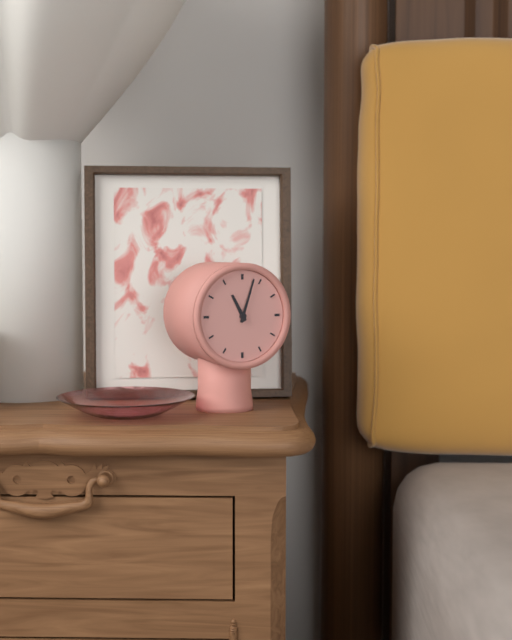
11.03
